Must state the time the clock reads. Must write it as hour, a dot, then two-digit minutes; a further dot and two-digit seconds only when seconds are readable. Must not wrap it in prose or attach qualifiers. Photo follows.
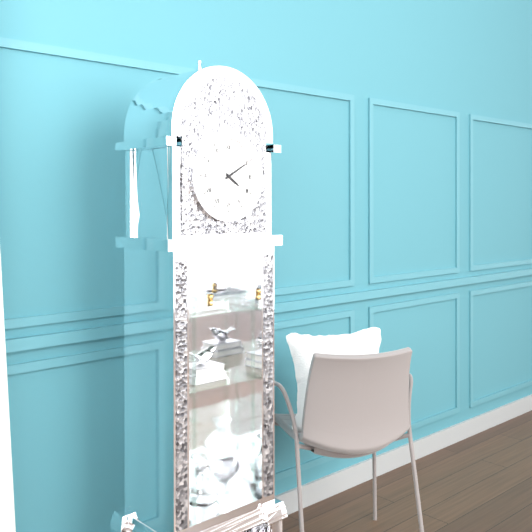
4.10
